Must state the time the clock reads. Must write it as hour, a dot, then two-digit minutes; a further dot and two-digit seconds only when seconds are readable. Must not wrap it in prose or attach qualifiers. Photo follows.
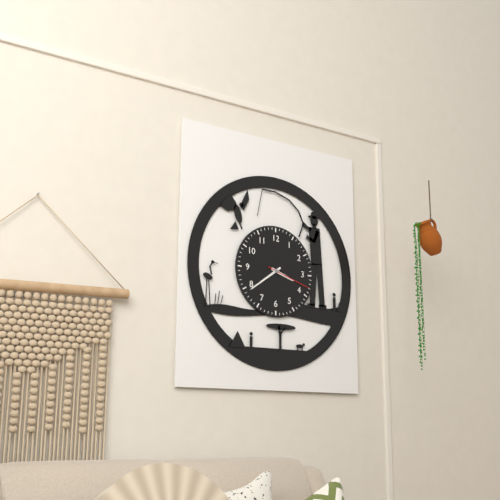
3.39
